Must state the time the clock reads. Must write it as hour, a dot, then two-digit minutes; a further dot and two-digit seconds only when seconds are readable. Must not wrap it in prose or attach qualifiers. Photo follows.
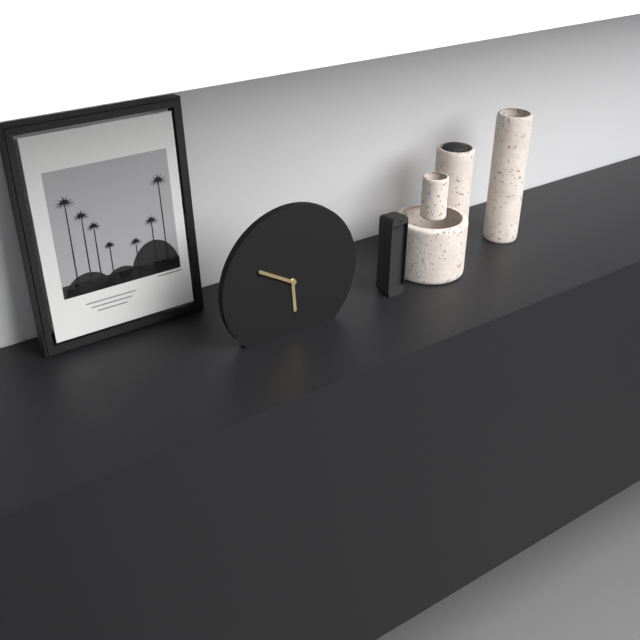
5.50
